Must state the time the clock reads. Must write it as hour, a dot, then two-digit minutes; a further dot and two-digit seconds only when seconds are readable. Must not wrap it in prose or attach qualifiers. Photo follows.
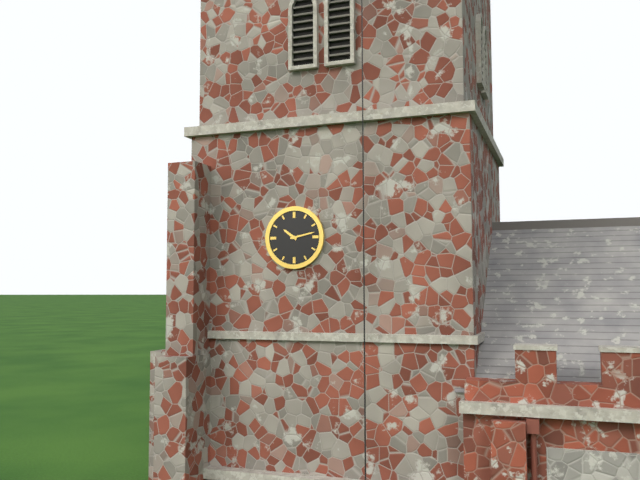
10.13
